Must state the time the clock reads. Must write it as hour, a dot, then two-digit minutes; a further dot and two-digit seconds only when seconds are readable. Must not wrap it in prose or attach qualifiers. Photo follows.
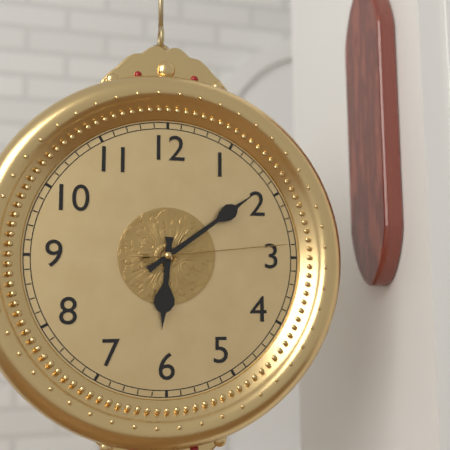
6.09.14
